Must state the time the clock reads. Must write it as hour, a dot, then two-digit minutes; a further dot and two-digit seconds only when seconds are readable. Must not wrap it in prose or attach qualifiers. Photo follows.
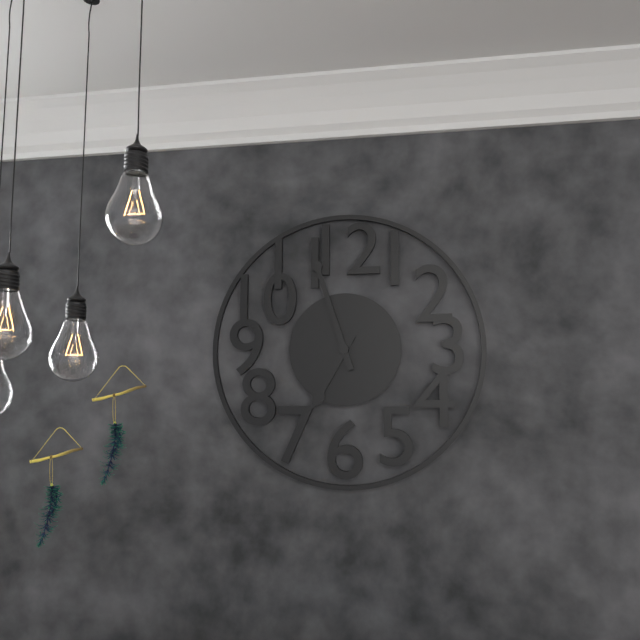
6.57
